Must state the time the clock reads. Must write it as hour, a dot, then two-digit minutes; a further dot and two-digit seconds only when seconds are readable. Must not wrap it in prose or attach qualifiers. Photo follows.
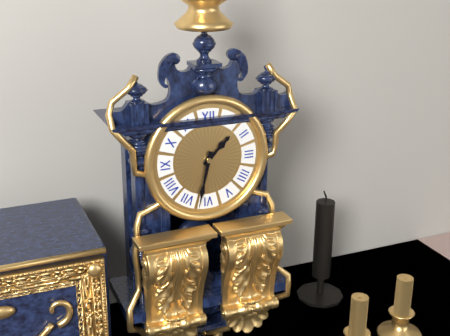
1.32
